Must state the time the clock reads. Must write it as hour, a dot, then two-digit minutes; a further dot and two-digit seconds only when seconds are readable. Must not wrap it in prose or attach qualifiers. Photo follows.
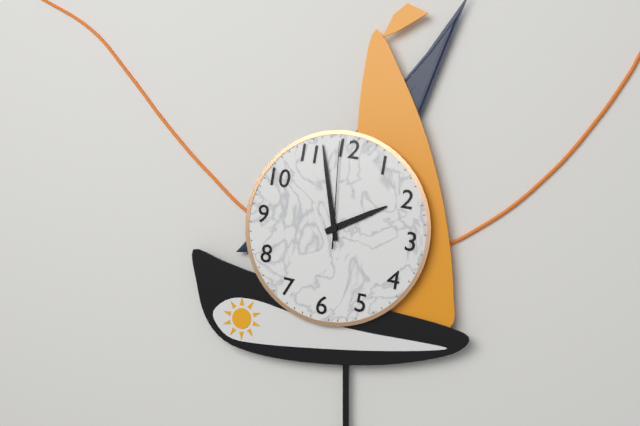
1.57.59
